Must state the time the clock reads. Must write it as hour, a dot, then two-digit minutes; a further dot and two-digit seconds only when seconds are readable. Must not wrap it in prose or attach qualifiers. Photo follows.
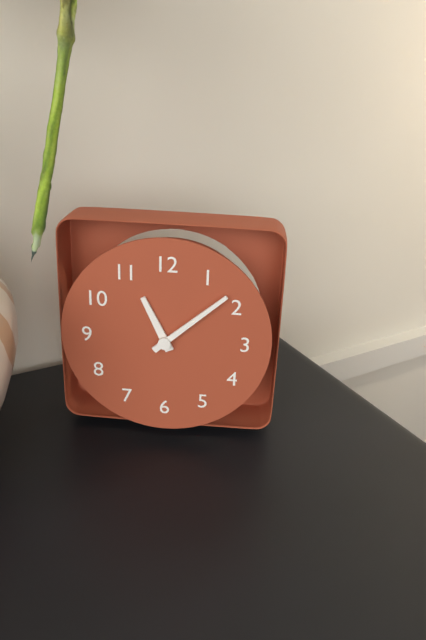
11.08
